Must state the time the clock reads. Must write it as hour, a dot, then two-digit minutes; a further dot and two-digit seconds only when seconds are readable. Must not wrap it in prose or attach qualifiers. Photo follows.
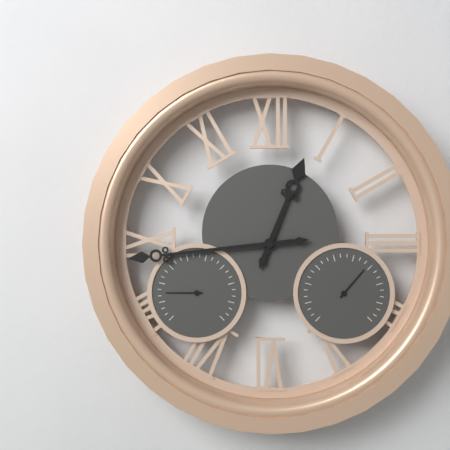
12.44
